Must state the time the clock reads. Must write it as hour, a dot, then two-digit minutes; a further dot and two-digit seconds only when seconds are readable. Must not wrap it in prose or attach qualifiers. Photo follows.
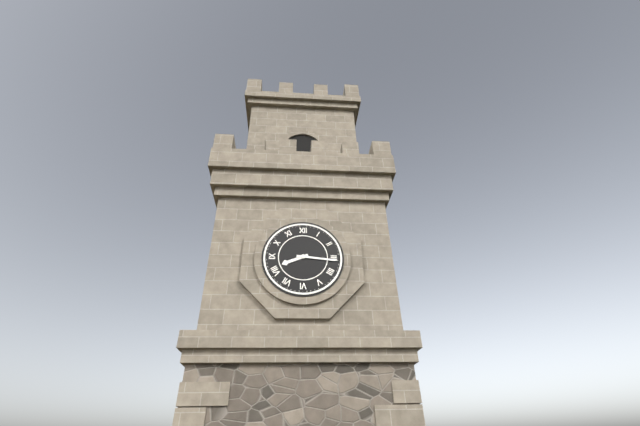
8.16
